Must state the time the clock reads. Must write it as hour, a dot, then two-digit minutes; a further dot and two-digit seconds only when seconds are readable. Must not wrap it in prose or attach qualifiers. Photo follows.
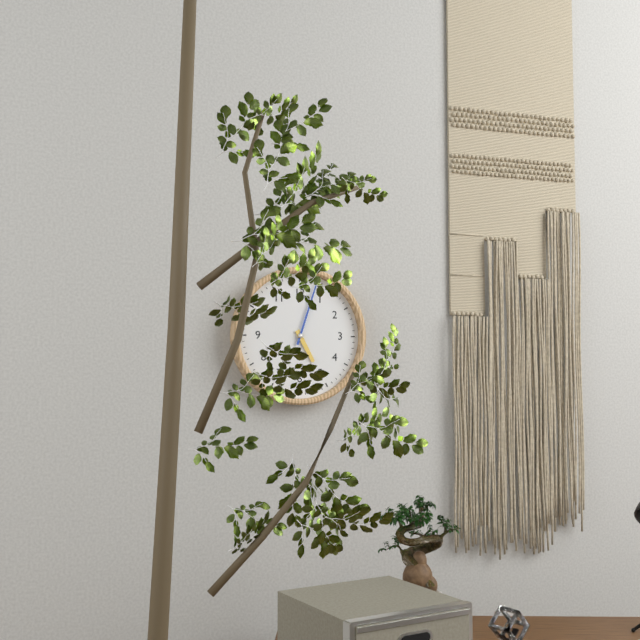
5.03
